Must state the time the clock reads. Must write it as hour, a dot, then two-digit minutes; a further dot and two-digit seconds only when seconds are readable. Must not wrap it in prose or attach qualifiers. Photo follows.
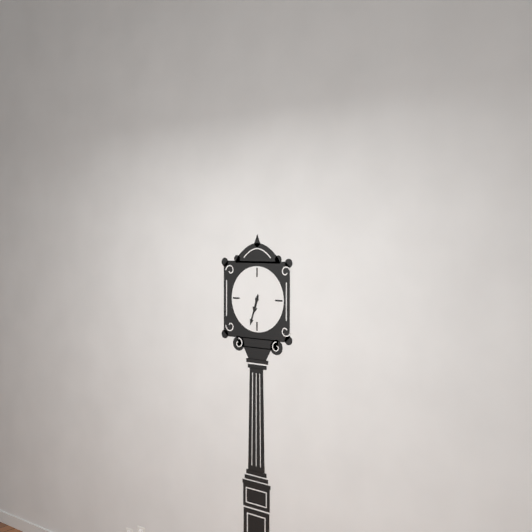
6.33
